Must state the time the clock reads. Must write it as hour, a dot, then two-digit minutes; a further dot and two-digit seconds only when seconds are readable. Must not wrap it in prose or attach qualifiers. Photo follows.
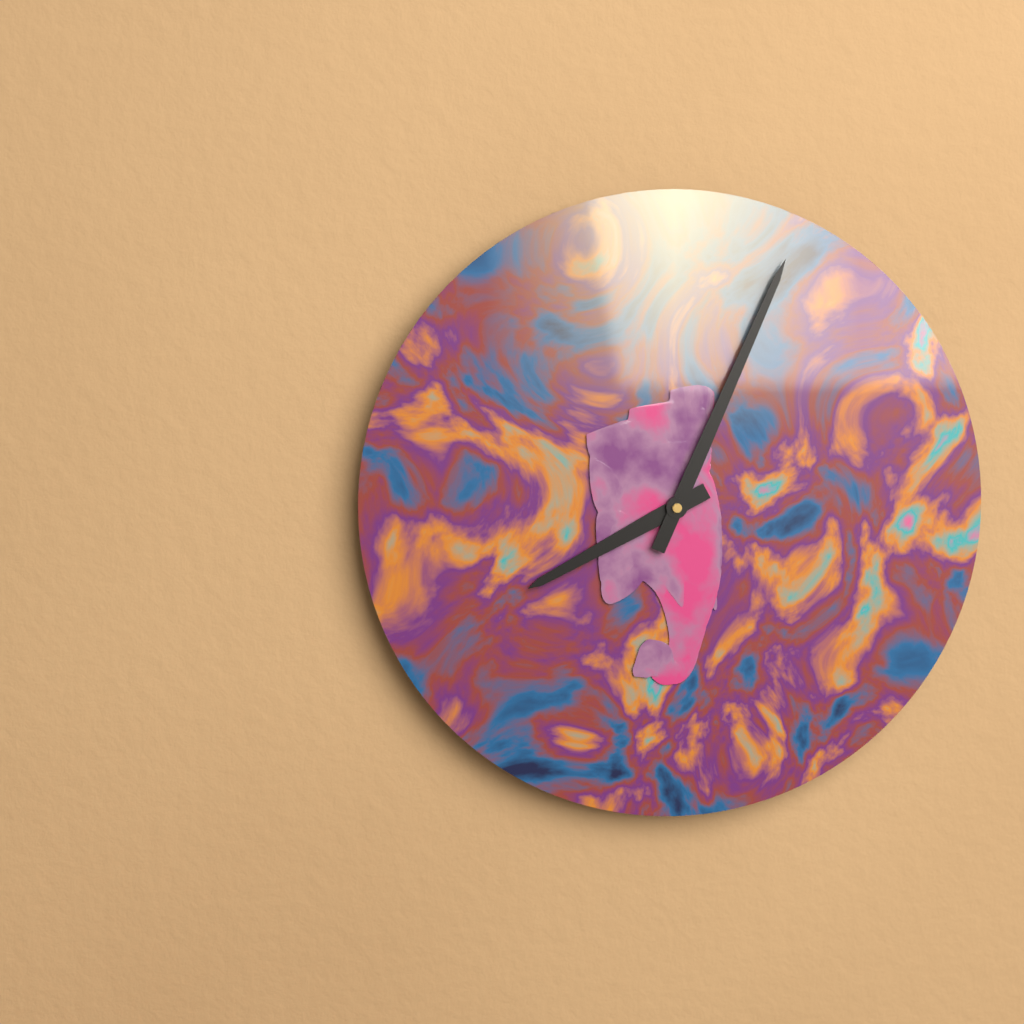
8.04
